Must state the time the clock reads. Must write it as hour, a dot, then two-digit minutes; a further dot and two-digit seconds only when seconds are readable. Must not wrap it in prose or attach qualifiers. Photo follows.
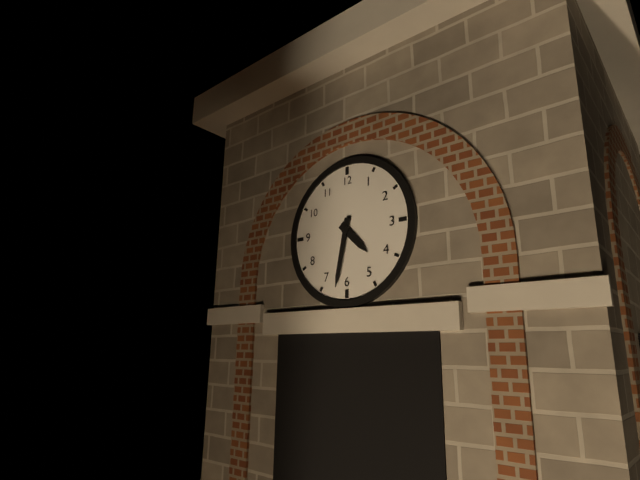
4.32
